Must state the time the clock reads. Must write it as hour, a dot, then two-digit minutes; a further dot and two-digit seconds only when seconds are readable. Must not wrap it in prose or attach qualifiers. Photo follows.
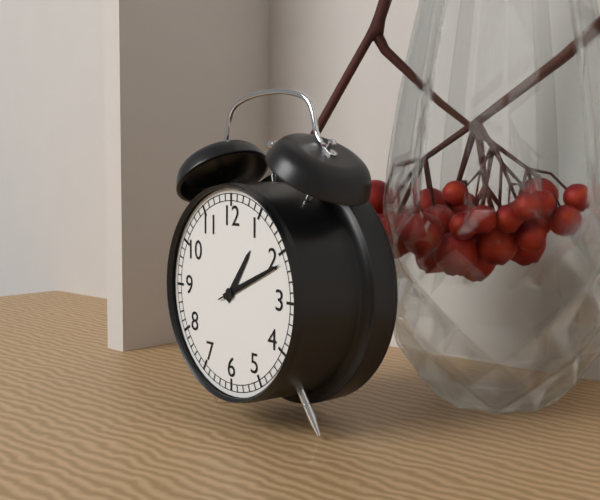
1.11
